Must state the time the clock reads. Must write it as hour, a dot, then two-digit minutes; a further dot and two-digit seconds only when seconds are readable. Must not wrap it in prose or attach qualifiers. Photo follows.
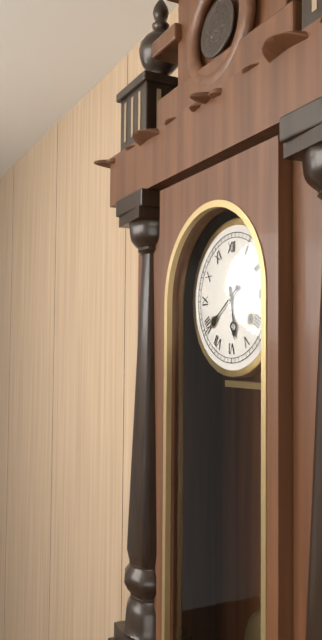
5.39
